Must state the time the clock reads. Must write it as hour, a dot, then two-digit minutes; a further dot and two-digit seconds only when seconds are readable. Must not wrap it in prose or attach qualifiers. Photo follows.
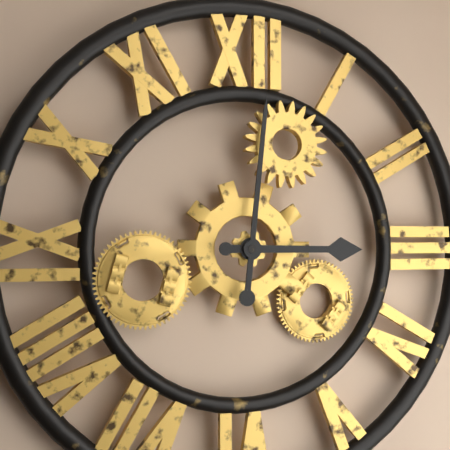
3.01
